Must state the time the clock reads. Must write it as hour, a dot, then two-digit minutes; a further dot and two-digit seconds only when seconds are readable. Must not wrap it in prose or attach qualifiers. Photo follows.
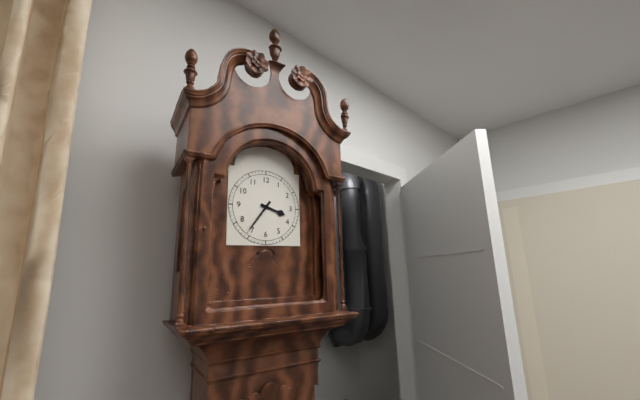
3.36
